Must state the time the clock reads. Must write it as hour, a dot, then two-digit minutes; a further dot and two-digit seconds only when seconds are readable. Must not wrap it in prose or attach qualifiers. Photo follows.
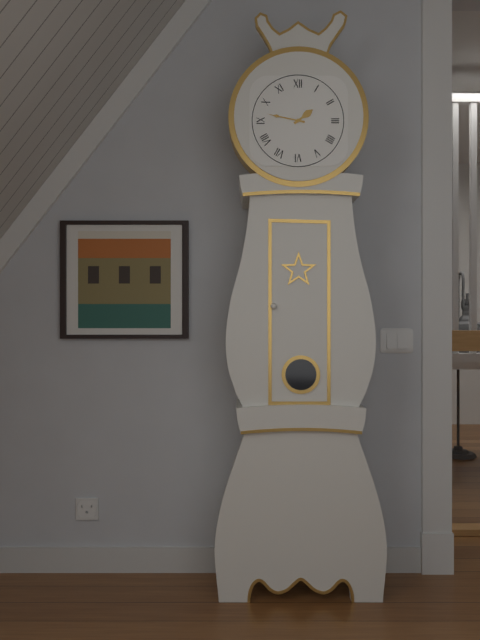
1.47
